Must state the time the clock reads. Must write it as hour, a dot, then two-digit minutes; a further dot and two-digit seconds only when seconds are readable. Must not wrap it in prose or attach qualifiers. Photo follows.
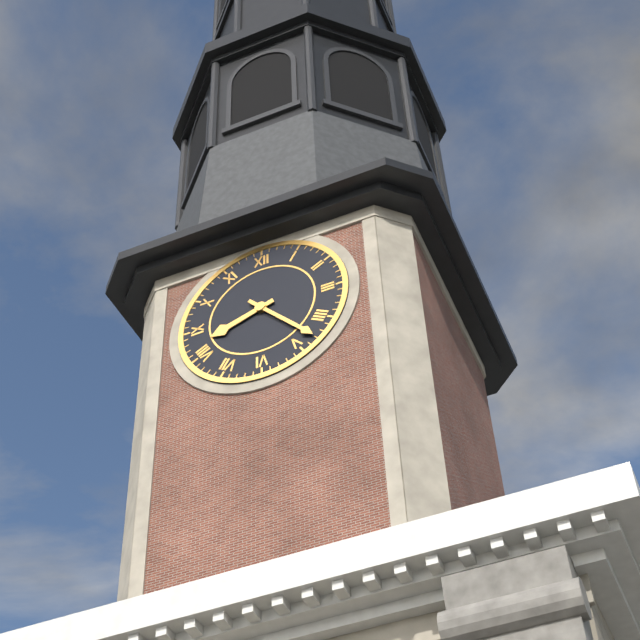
8.23
